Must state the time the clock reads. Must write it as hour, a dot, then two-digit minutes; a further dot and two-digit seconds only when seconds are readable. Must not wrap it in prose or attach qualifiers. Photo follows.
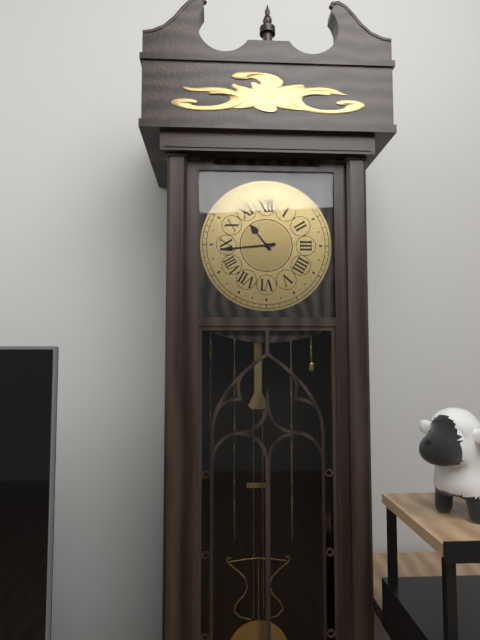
10.44
